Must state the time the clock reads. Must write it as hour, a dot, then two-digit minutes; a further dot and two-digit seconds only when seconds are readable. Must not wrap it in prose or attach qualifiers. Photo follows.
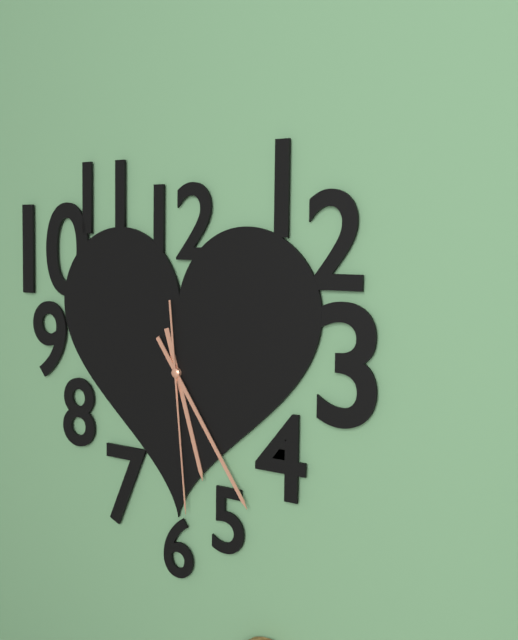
5.24.29
